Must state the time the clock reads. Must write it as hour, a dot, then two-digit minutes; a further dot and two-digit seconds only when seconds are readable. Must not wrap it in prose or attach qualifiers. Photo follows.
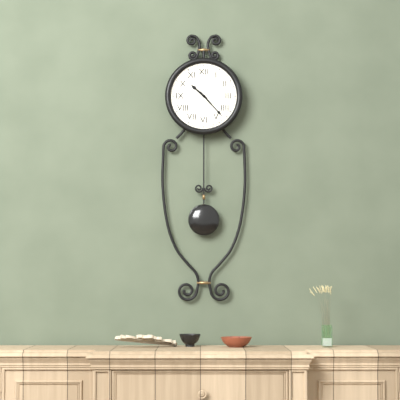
10.23
